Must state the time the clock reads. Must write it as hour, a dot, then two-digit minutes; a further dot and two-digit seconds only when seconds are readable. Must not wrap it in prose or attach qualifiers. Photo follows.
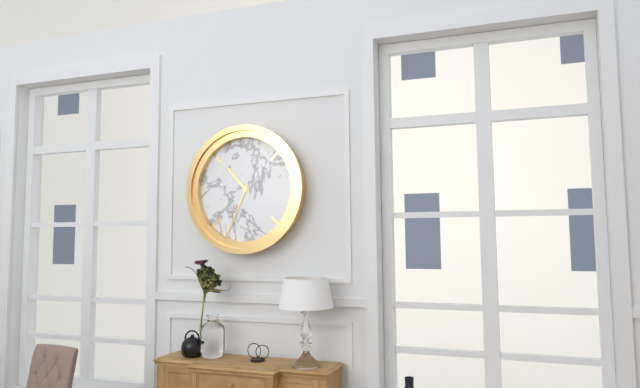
10.34
